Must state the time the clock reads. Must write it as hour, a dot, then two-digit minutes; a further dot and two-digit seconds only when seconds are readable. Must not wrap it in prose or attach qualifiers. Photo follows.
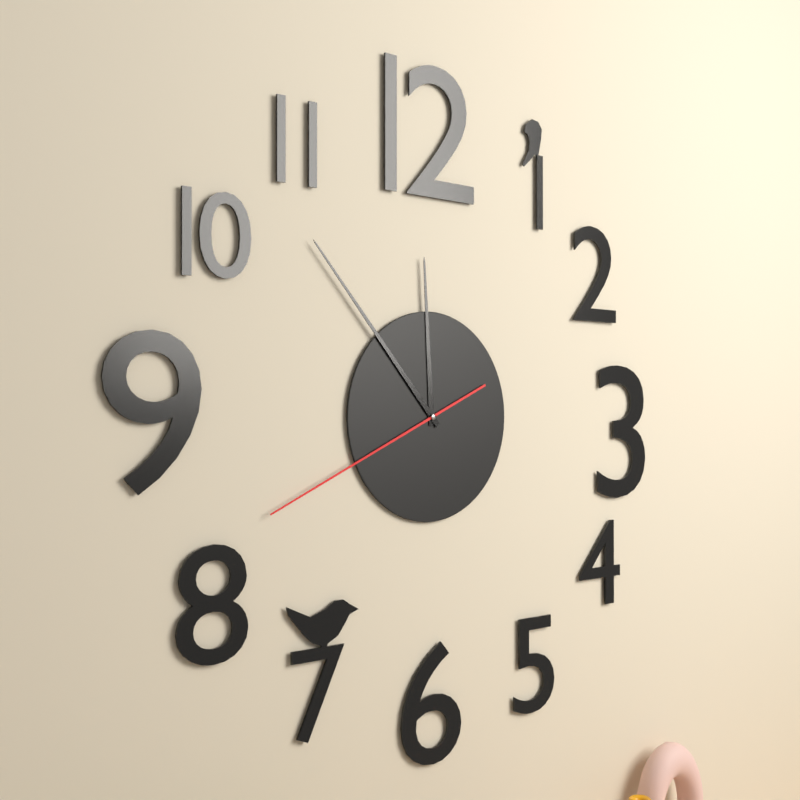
11.53.41
